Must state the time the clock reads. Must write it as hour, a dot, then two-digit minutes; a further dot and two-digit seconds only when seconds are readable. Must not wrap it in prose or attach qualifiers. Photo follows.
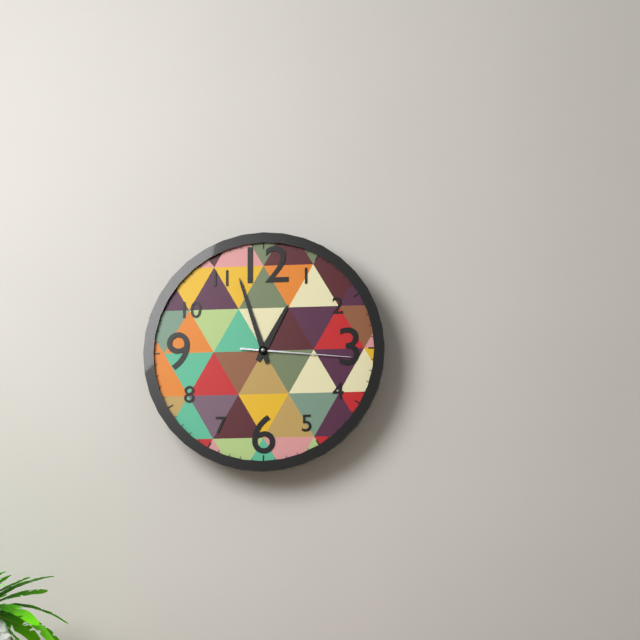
12.57.16
